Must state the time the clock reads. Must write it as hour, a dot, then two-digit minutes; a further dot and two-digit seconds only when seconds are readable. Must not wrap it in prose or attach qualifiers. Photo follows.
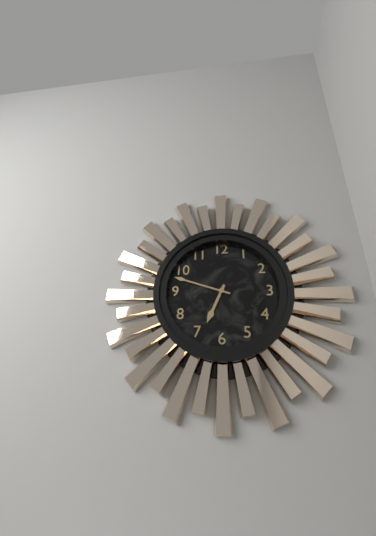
6.48
